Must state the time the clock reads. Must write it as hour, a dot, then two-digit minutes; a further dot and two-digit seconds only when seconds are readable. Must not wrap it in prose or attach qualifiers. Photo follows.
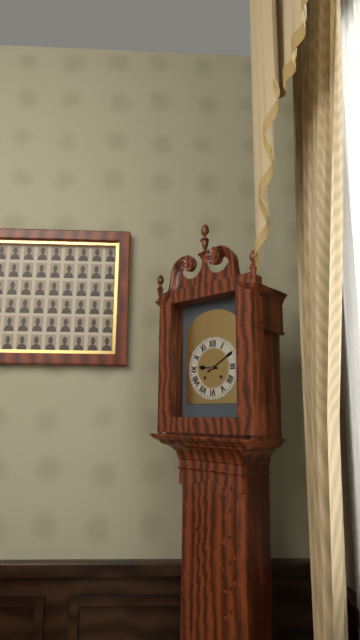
9.10
